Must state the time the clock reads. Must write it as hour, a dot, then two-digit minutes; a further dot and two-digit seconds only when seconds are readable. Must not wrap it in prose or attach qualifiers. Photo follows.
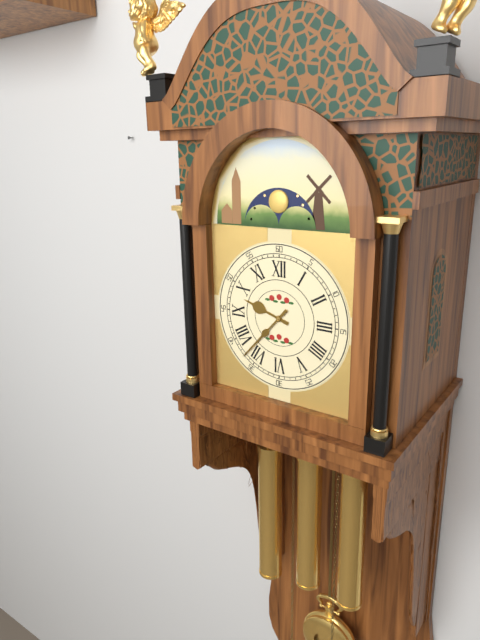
9.37
